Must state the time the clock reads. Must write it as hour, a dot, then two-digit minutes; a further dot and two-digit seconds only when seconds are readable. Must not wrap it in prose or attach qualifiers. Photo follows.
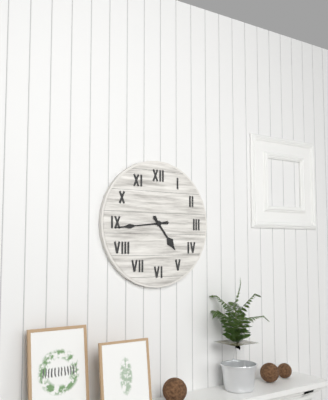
4.44
